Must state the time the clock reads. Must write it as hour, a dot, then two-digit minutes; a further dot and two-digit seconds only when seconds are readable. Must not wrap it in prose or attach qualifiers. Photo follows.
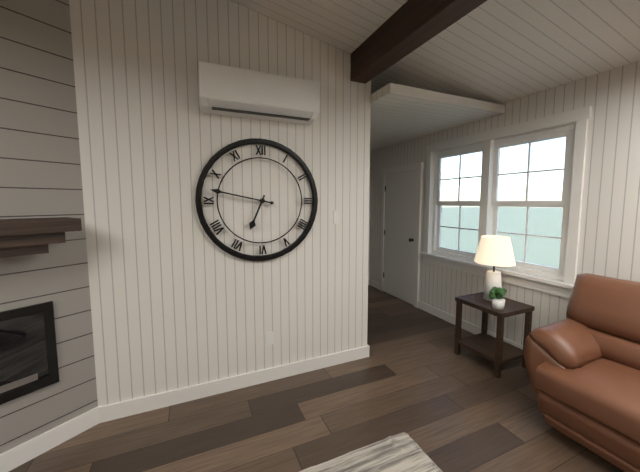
6.47
